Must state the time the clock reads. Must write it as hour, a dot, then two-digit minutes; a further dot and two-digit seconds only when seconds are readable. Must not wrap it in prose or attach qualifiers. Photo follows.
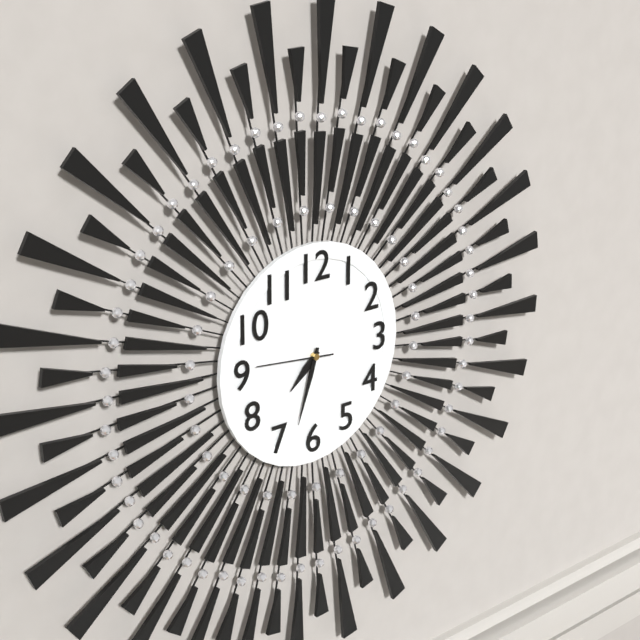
7.33.46
